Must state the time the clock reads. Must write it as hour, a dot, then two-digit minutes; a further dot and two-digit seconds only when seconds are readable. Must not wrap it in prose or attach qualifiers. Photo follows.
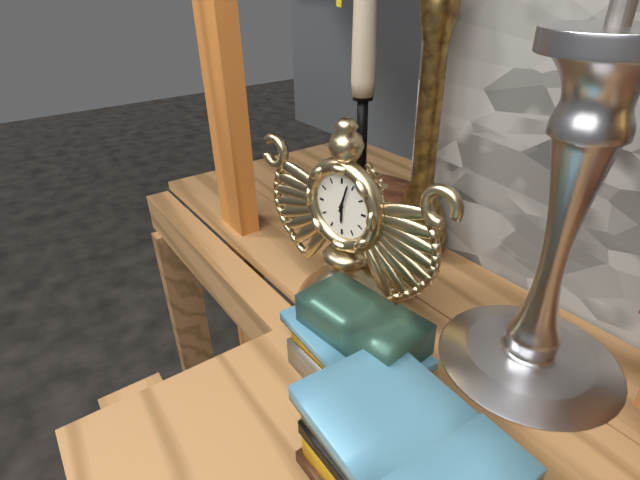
6.03
